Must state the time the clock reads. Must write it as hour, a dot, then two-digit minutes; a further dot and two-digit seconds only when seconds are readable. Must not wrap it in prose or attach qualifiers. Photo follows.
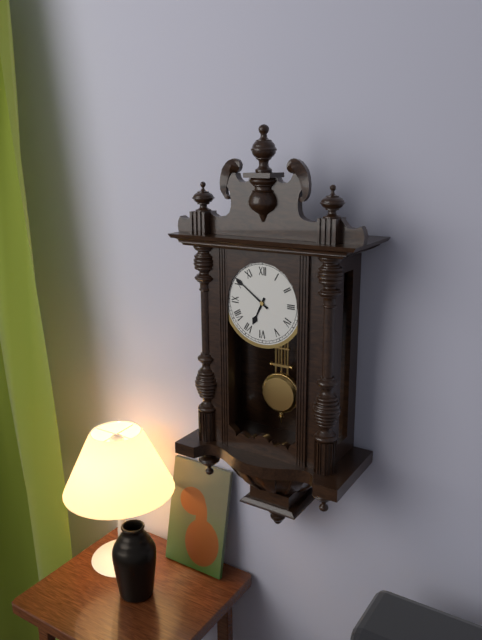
6.51
